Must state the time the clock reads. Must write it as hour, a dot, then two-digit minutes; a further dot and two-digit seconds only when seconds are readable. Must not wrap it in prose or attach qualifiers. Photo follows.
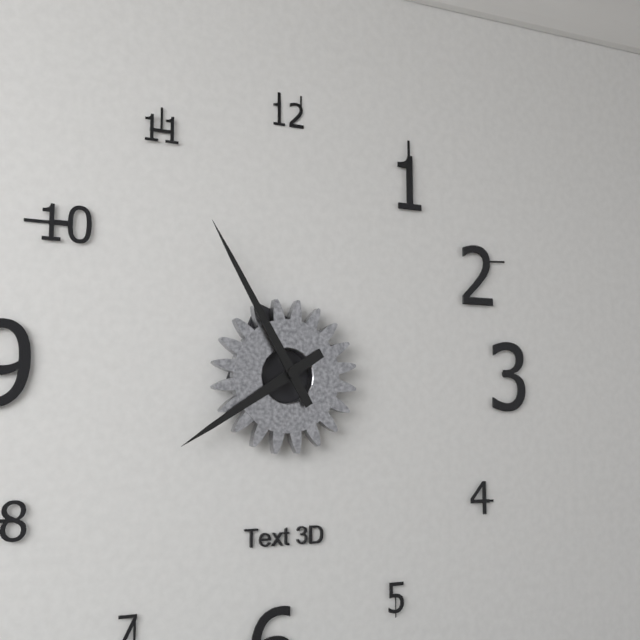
7.55
